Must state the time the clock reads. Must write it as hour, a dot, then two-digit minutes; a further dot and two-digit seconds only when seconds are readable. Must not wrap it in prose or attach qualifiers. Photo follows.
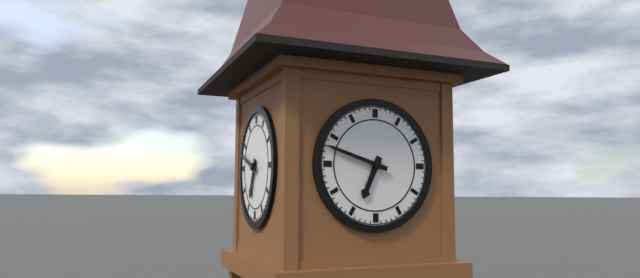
6.48
